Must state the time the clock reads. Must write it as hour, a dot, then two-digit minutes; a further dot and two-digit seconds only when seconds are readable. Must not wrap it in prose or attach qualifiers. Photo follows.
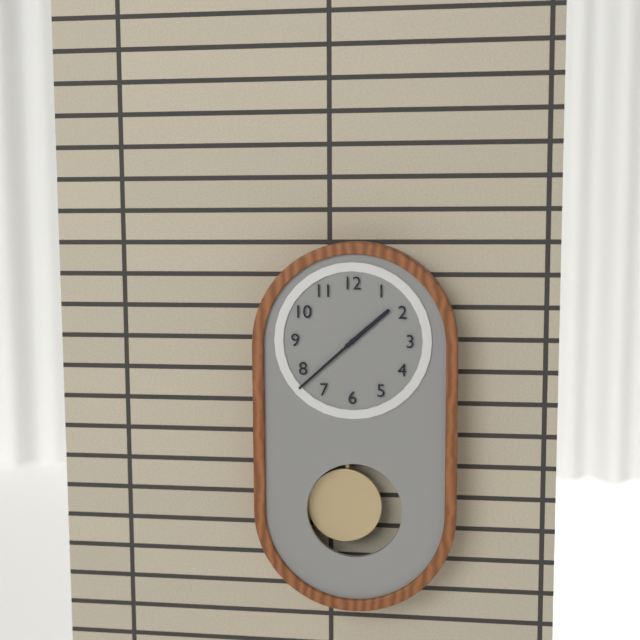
1.38
